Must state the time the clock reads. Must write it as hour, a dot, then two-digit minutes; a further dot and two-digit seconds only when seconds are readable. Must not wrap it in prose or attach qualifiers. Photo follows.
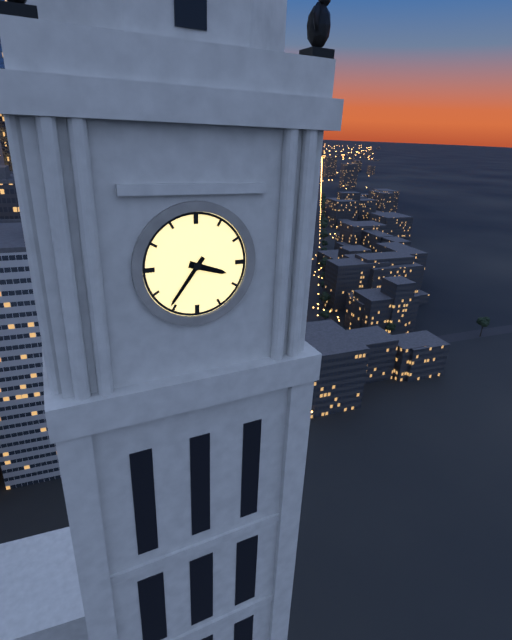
3.36
